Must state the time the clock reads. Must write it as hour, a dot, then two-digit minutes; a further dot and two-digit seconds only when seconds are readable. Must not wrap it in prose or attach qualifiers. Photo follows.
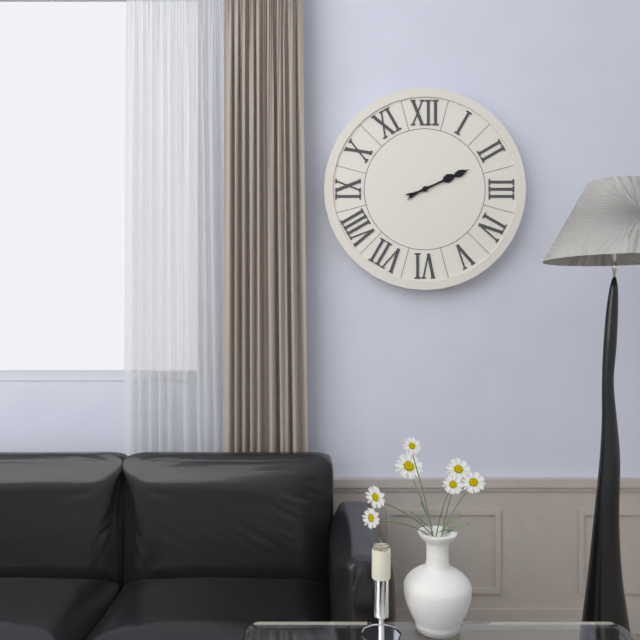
2.11
